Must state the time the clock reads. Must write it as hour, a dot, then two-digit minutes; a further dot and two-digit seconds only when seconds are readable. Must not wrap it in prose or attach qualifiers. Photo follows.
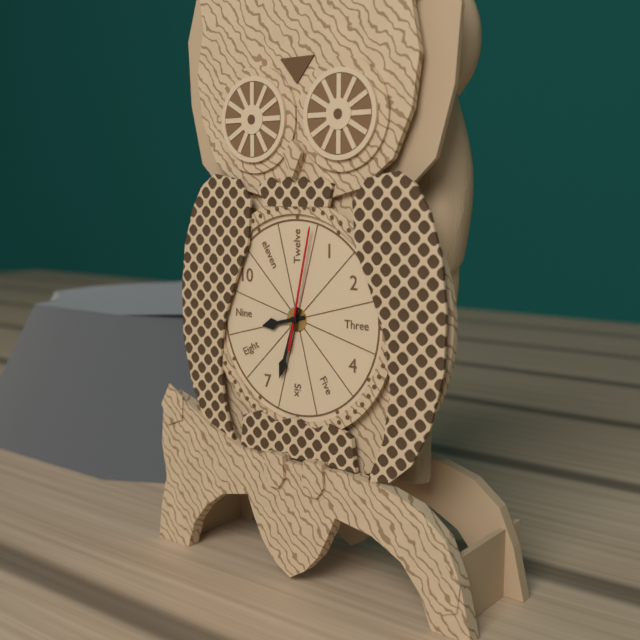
8.33.02
